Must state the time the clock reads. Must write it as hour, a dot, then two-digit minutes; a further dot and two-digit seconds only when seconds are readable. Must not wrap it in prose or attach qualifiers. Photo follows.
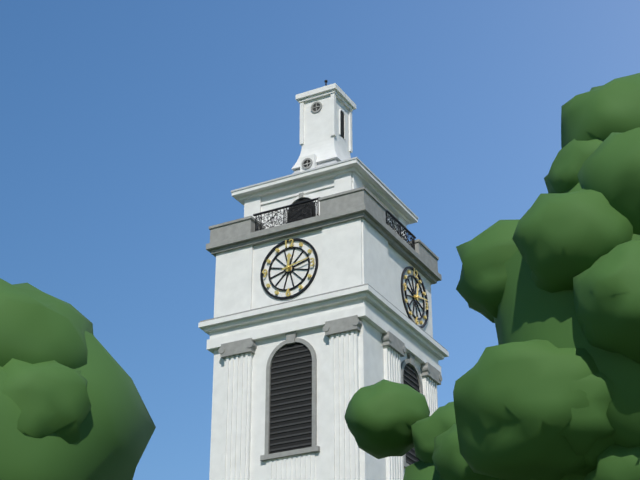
12.13
